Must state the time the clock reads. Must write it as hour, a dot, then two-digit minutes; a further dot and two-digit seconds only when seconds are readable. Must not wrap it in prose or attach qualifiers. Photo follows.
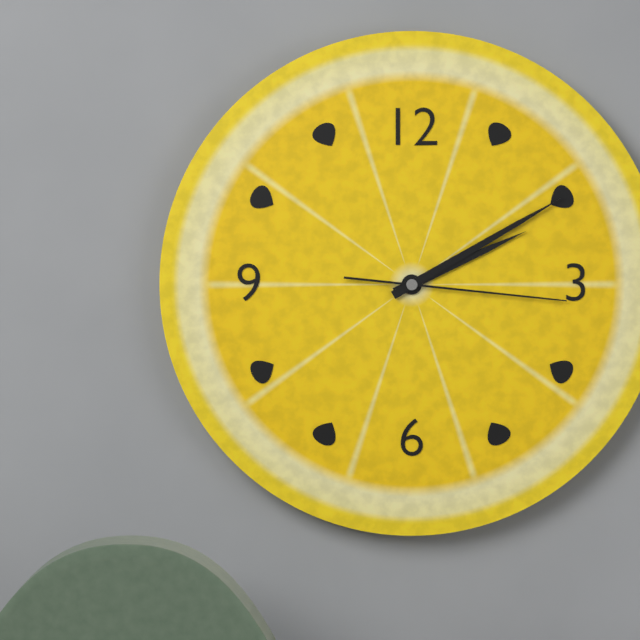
2.10.16
